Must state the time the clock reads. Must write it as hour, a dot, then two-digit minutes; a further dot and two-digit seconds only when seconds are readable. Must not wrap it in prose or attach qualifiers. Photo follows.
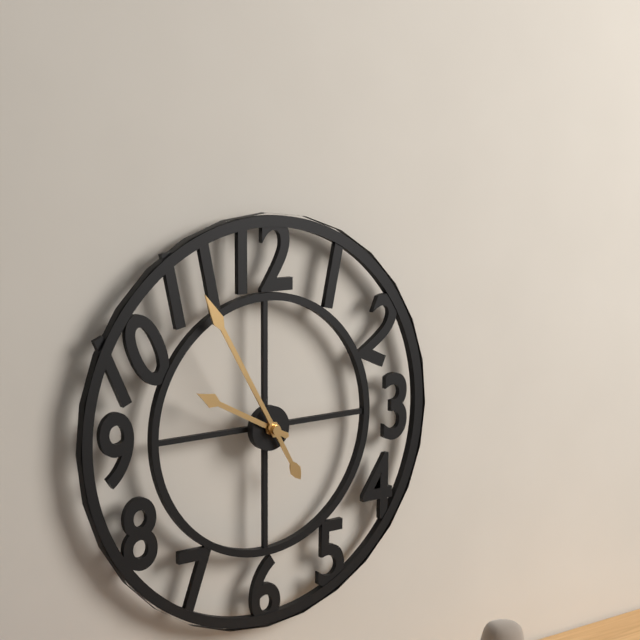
9.55
